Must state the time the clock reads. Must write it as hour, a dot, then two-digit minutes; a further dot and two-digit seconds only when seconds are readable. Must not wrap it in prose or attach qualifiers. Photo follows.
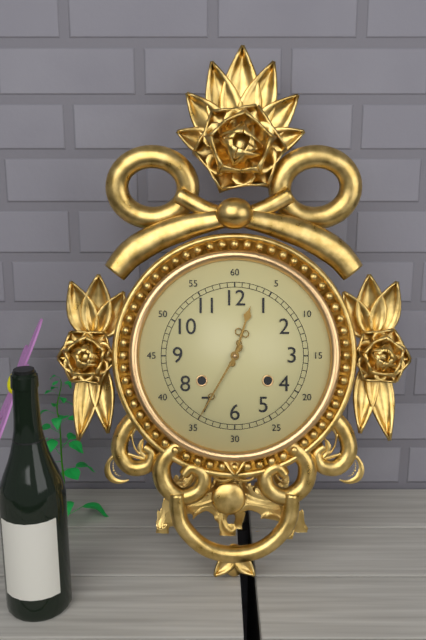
12.35
